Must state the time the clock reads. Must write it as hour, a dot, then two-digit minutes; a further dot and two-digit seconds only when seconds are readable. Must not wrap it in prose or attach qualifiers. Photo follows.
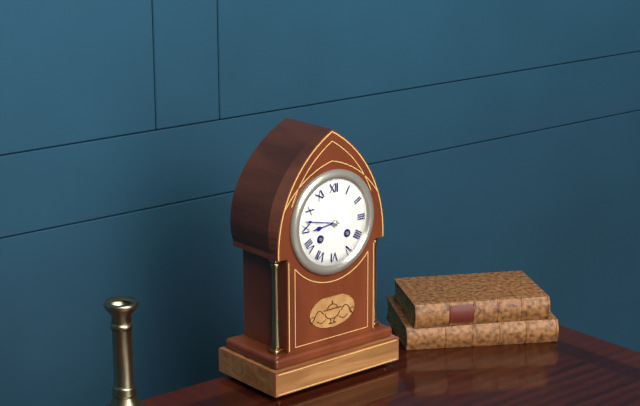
8.47
